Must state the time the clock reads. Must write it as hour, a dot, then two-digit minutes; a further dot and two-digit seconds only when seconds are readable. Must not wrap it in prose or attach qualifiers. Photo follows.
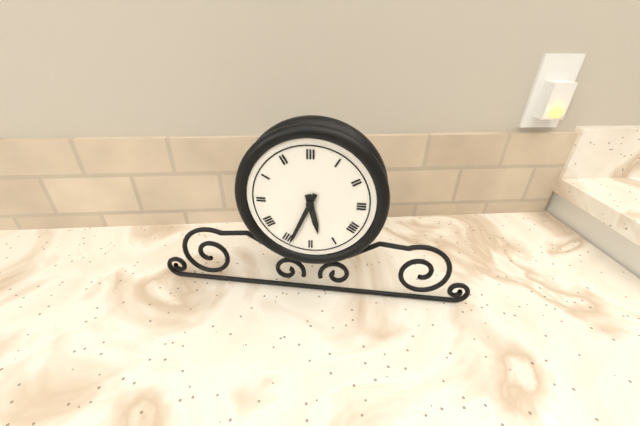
5.34
